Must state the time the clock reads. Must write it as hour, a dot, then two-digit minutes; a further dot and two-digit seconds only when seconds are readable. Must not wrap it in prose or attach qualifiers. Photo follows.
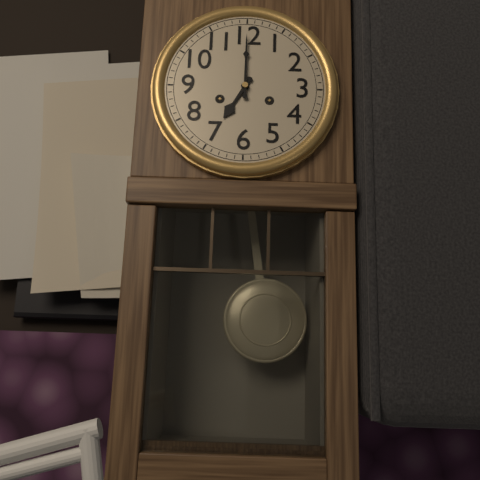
7.00
